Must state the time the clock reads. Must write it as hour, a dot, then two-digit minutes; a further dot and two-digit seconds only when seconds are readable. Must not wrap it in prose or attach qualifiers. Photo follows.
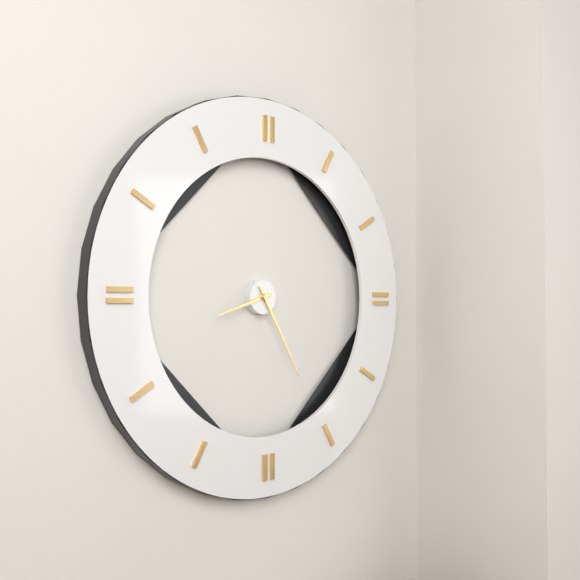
8.25
